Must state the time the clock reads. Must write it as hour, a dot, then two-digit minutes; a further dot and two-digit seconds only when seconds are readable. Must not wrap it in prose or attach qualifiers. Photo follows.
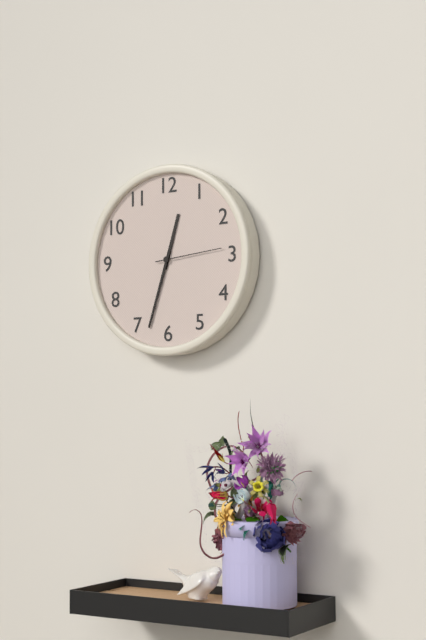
12.33.14
